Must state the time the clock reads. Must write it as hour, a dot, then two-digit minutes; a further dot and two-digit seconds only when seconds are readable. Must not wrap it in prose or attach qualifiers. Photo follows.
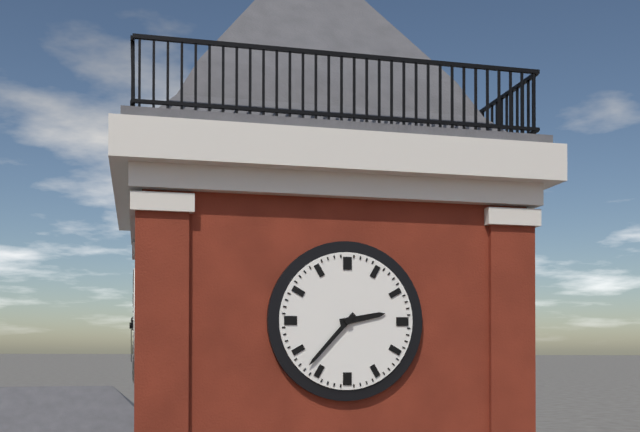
2.37
